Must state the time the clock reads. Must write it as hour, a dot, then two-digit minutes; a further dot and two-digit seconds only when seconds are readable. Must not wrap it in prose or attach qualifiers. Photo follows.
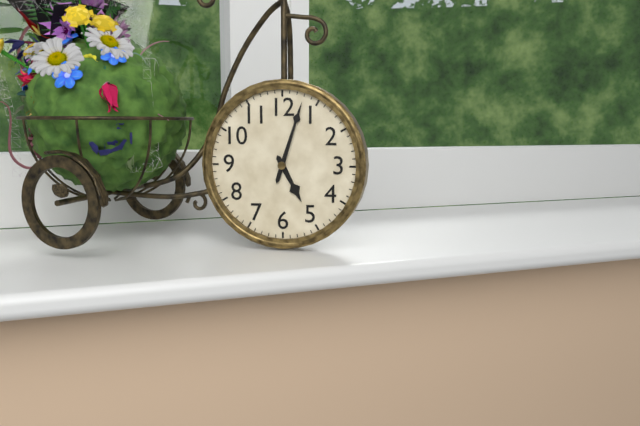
5.03
